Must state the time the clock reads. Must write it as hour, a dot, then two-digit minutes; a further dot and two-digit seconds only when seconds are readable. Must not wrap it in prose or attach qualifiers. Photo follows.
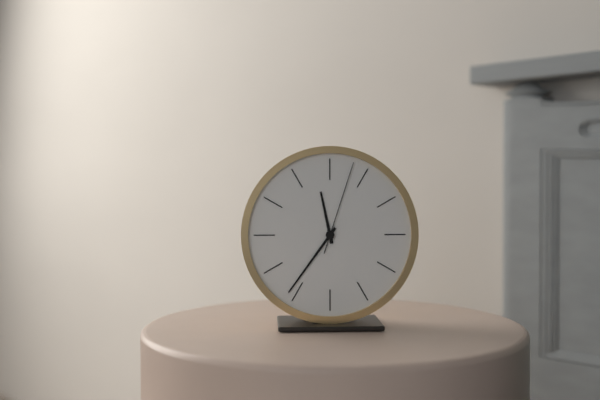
11.36.03
